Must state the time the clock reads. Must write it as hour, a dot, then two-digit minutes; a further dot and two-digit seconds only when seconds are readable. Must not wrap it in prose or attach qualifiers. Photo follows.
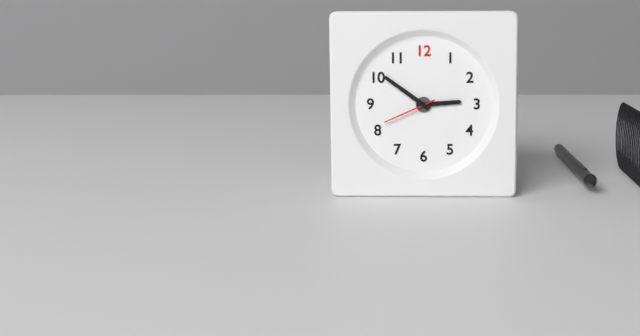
2.51.41
